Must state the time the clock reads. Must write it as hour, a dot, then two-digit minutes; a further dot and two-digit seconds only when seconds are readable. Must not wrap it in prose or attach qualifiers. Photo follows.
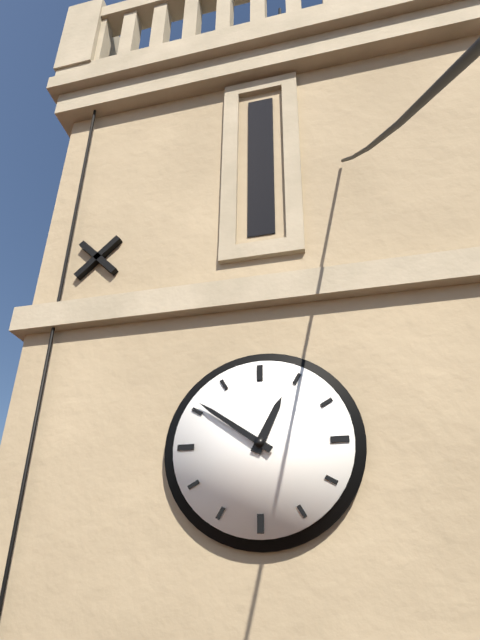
12.51
